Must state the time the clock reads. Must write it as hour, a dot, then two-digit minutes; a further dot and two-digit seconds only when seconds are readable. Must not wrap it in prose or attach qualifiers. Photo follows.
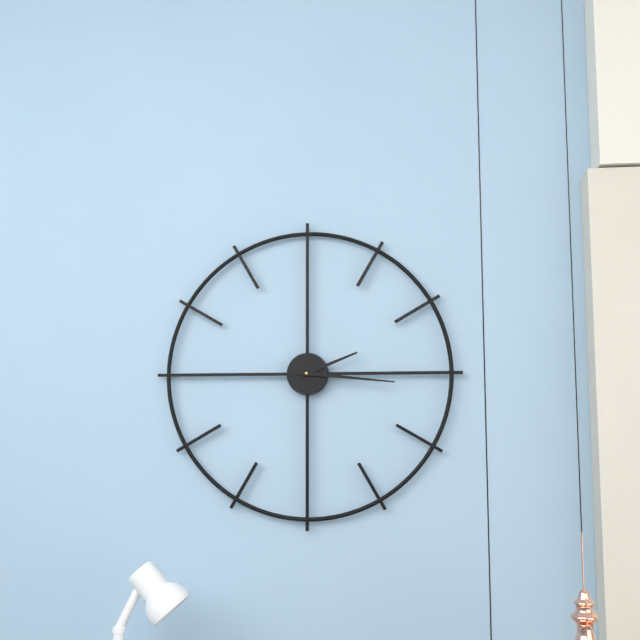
2.16
